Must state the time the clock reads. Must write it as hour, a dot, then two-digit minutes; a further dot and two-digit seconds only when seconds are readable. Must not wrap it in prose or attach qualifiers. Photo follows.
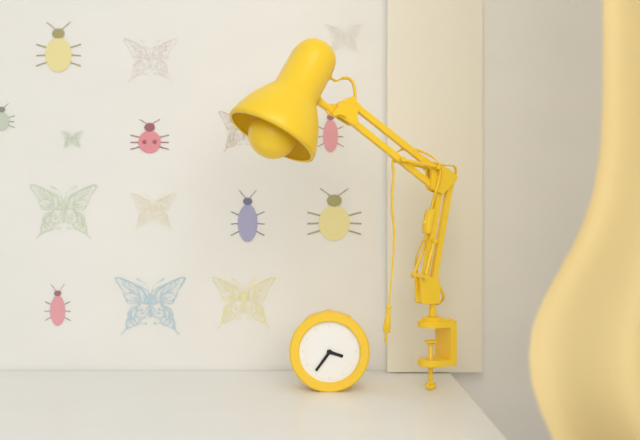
3.36
